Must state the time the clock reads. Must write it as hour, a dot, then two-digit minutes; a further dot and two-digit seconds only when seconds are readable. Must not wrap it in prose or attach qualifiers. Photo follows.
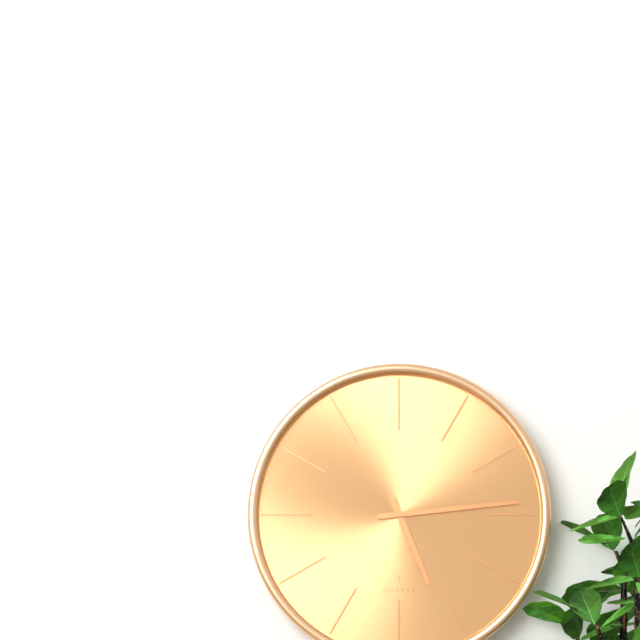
5.14
